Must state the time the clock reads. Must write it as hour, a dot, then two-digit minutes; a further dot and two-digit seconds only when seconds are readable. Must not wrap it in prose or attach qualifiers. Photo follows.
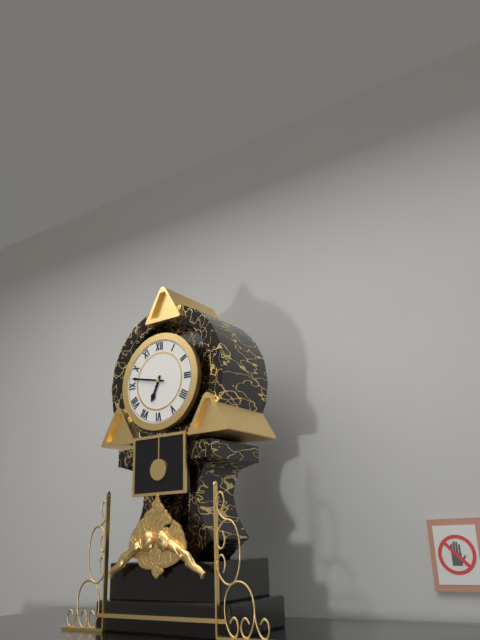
6.47
